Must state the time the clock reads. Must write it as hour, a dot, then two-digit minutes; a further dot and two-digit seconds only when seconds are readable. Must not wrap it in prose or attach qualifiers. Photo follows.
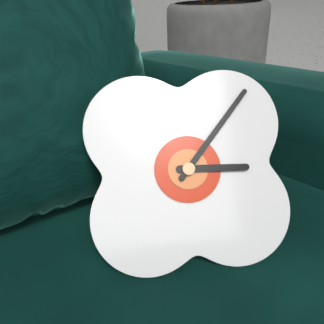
3.07
